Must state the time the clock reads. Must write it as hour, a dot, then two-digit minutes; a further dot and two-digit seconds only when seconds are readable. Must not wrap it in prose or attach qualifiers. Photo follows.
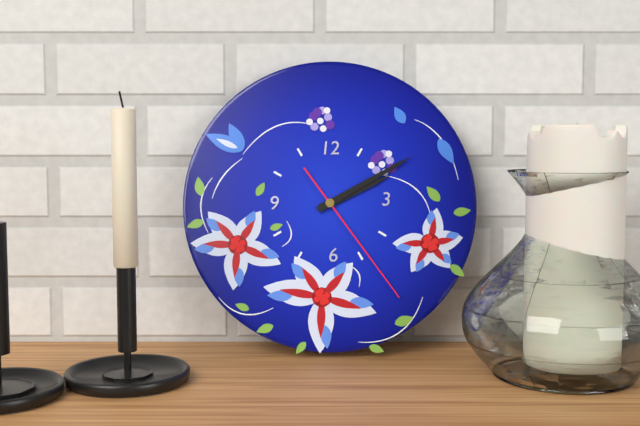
2.10.24
